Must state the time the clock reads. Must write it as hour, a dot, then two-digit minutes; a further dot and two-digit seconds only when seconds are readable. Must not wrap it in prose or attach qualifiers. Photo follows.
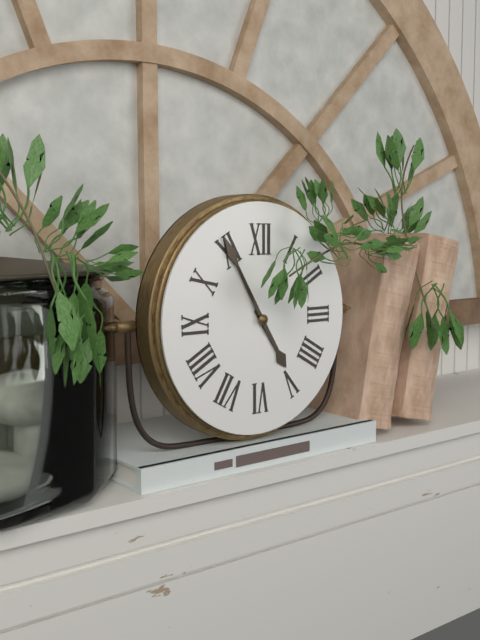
4.55
